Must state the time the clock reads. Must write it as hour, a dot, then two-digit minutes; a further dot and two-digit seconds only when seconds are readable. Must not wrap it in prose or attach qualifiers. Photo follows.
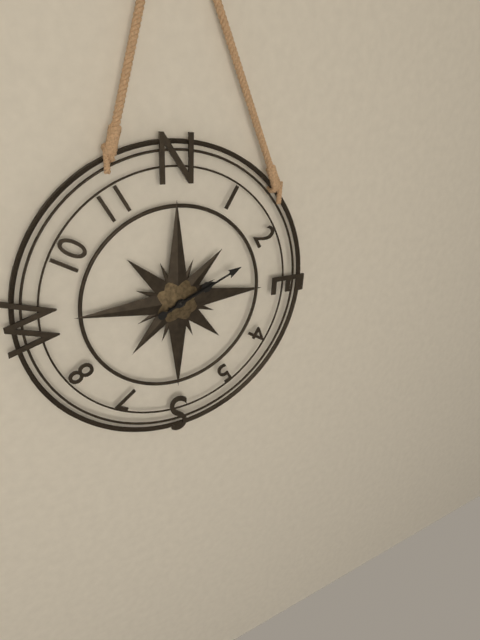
2.11
